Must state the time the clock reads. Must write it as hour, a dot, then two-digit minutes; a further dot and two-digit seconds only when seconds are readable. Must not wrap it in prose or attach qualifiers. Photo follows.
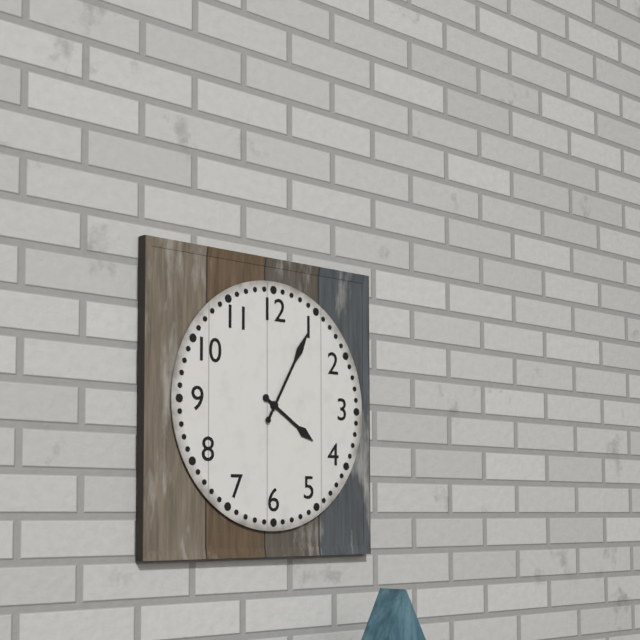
4.05
